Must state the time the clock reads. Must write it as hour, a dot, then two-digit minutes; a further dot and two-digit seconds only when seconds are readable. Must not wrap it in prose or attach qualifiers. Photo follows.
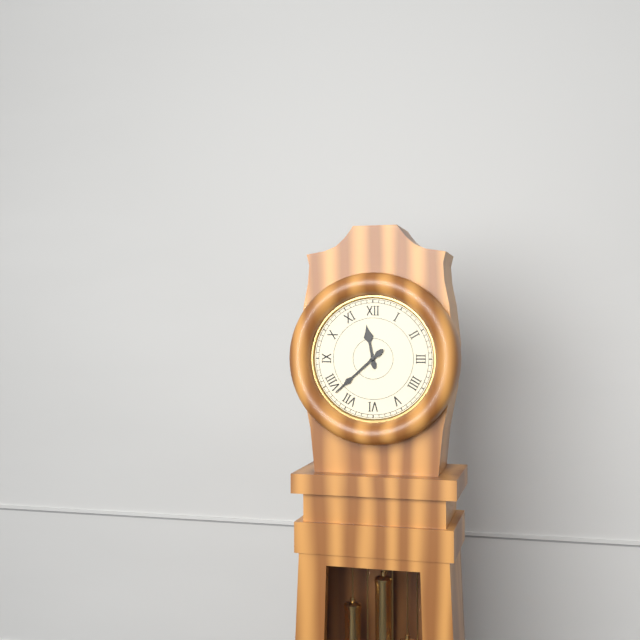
11.38
